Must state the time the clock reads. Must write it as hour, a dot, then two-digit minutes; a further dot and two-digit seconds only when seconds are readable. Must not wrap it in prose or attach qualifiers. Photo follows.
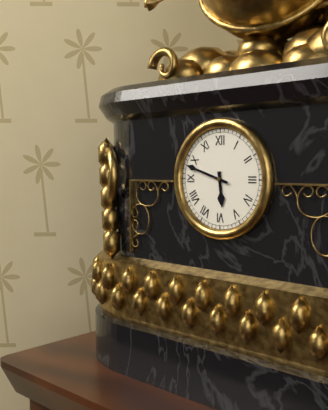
5.48
